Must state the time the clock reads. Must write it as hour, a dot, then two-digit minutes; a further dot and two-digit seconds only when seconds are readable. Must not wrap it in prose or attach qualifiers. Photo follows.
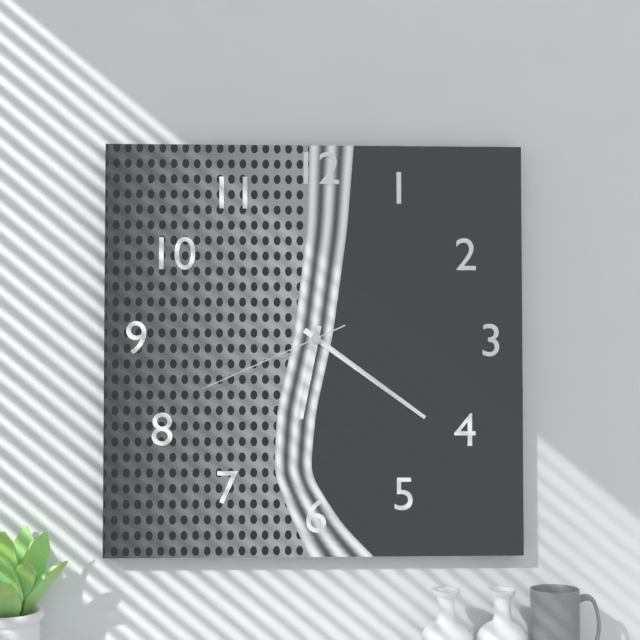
6.21.41
